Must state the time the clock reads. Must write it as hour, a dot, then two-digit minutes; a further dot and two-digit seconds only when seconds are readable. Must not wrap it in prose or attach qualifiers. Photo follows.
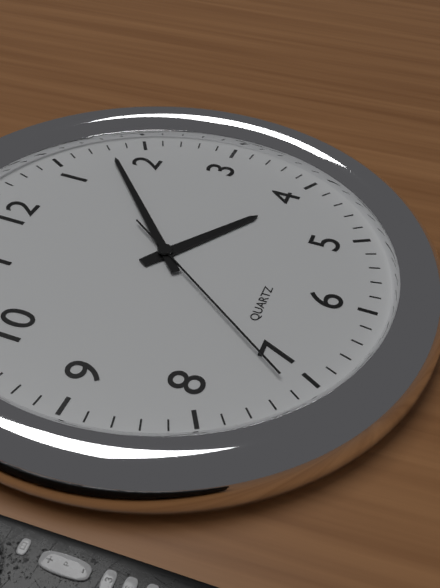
4.08.36
